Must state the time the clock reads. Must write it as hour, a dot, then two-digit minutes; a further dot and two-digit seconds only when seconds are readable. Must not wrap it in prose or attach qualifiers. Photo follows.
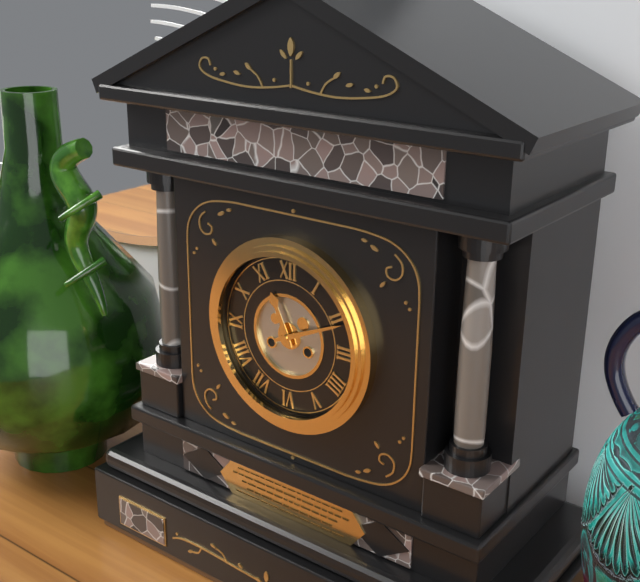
11.11
